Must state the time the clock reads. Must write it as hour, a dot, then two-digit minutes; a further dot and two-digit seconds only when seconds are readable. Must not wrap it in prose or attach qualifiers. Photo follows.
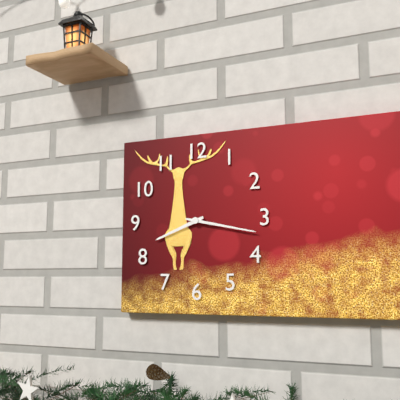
8.17
